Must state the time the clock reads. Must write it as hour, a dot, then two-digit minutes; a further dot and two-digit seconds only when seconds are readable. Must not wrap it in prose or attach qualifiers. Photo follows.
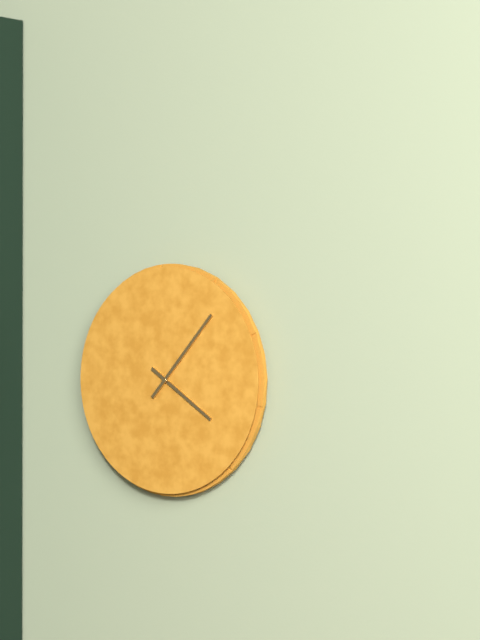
4.07
